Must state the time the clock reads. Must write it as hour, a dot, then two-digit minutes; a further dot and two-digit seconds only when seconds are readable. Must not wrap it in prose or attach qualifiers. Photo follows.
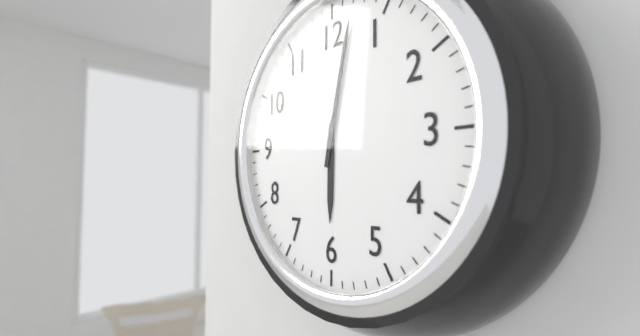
6.02
